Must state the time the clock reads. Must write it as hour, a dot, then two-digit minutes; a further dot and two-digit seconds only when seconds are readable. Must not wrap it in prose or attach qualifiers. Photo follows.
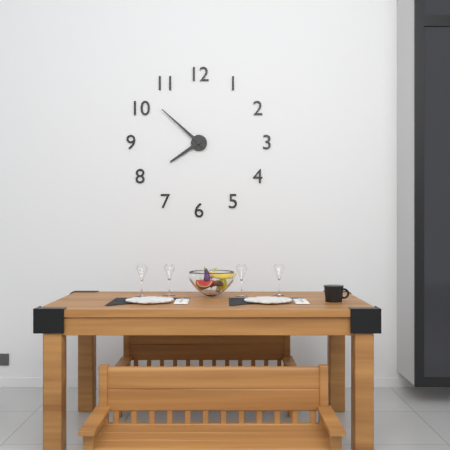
7.52
